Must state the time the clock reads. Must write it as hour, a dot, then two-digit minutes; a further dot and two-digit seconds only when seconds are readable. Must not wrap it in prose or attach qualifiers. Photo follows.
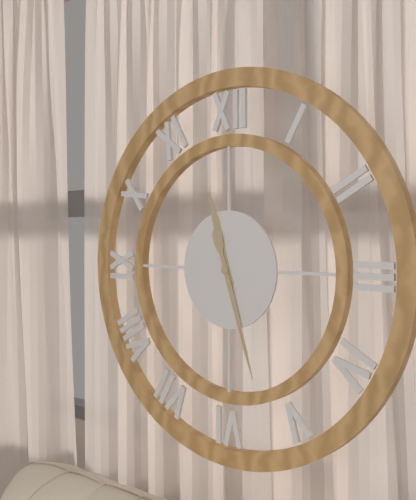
11.27
